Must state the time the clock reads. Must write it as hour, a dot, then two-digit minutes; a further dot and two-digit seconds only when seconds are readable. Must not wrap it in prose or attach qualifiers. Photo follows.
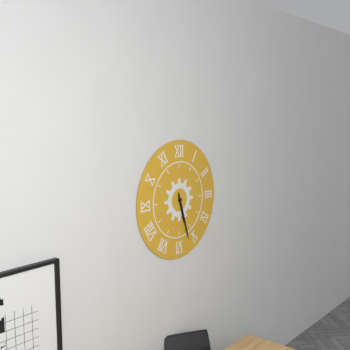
5.27
